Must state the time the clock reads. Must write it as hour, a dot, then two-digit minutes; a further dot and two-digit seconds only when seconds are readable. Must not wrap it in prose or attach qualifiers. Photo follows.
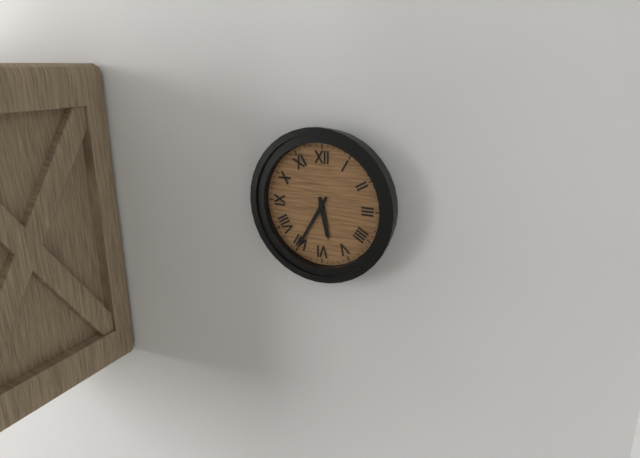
5.35
